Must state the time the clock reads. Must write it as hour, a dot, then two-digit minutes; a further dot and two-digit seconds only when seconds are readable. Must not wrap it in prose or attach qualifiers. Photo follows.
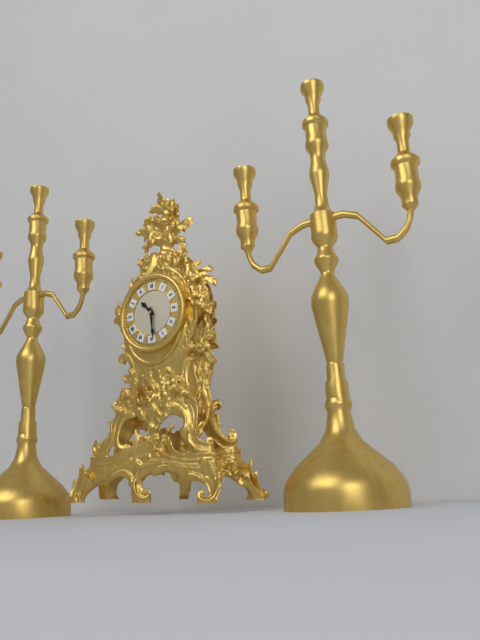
10.29
